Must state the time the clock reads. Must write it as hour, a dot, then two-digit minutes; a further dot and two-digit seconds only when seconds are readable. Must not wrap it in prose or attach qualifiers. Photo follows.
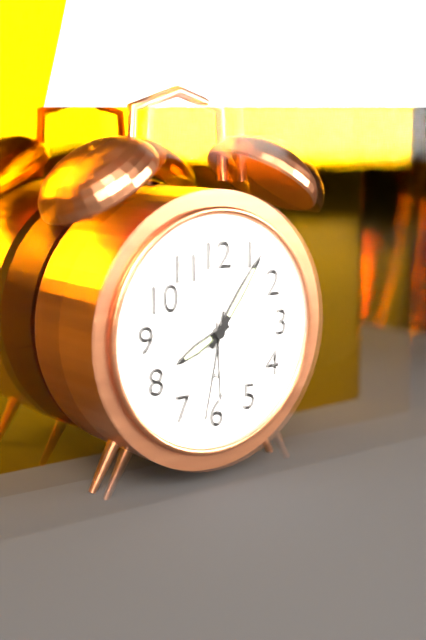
8.06.32
